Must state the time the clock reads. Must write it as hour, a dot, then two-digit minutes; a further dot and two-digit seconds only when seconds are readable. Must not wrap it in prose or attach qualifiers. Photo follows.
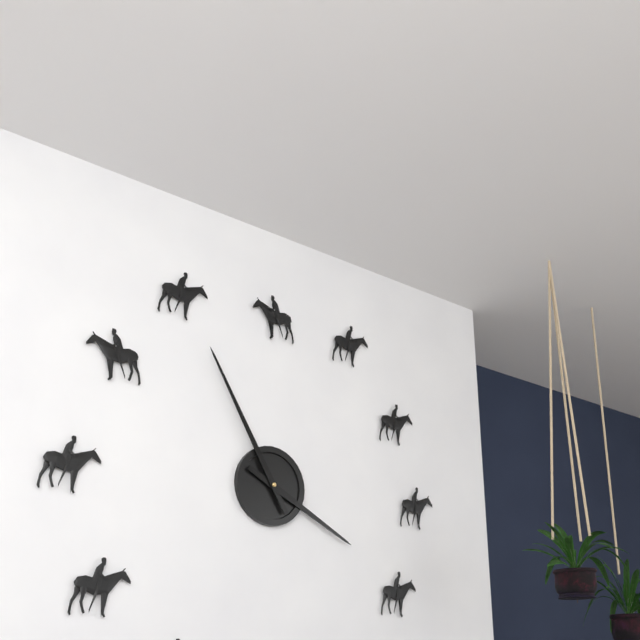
3.55
